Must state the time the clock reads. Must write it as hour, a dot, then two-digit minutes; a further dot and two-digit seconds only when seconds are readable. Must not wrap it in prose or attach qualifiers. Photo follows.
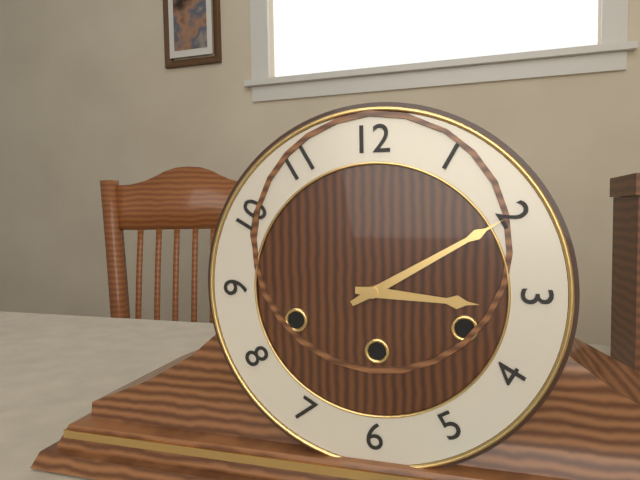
3.10
